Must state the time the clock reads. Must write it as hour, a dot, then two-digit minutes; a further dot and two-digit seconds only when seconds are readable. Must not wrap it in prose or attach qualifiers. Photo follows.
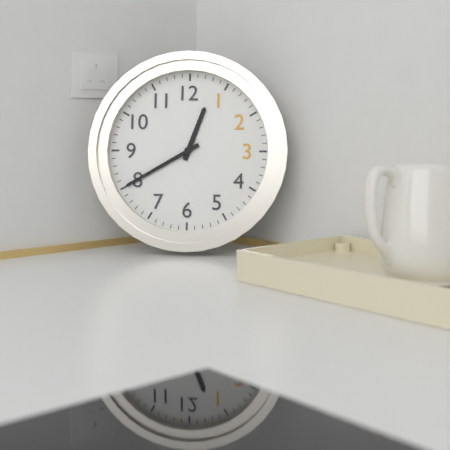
12.40
